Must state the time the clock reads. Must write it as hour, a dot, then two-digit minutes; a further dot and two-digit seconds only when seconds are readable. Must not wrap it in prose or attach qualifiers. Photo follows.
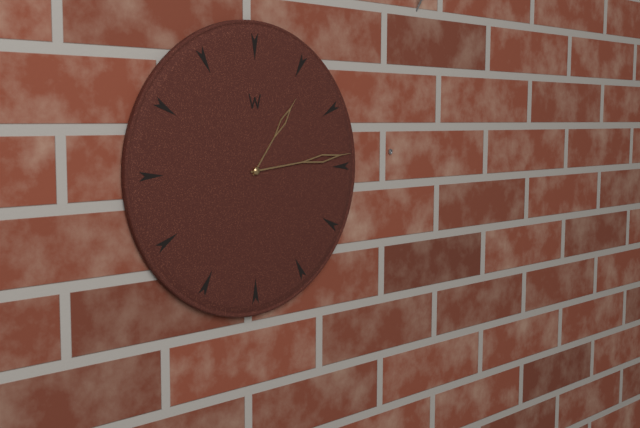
1.14
